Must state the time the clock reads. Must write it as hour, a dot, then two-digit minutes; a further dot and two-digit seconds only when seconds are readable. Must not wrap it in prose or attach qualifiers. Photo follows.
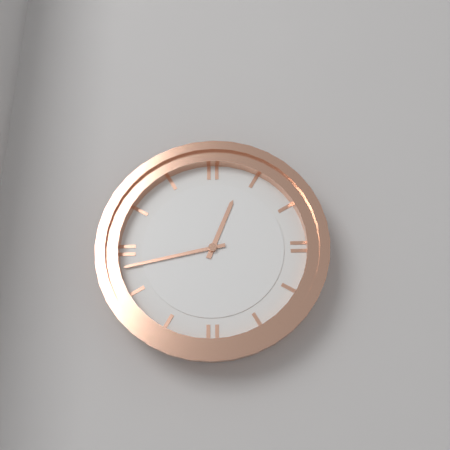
12.43
